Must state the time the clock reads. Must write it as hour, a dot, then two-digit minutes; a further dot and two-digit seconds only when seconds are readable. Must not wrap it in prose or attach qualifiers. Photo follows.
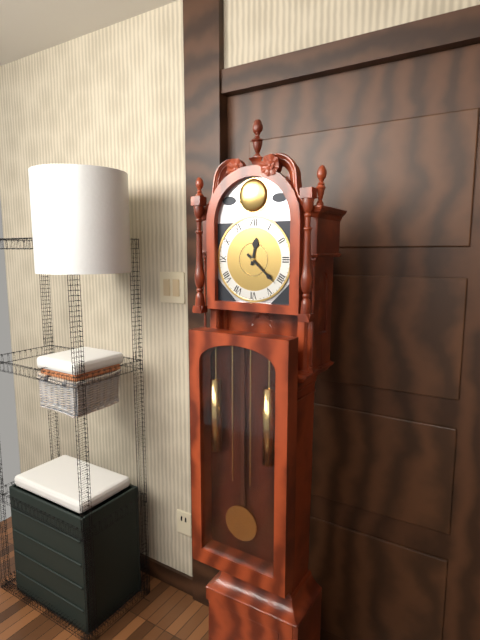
12.22
